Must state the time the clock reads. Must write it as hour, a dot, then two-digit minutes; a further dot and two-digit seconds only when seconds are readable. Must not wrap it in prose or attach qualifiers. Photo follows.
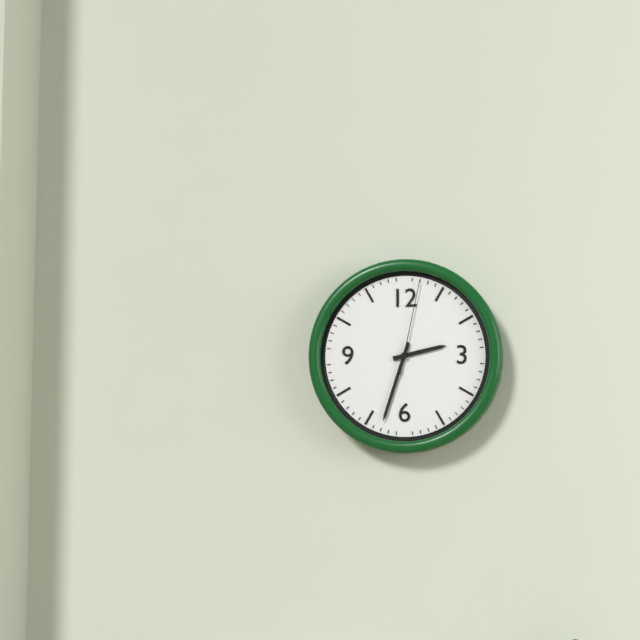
2.33.02
